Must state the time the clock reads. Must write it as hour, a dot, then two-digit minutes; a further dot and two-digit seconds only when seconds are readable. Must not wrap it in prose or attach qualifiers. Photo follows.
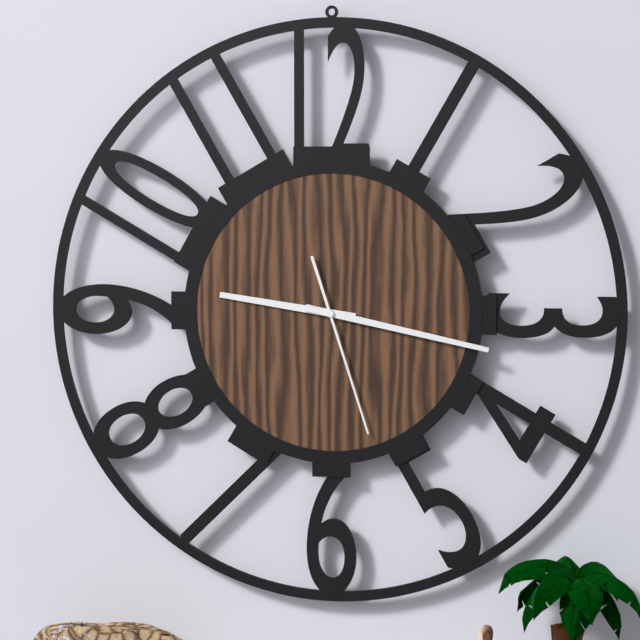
9.17.27
